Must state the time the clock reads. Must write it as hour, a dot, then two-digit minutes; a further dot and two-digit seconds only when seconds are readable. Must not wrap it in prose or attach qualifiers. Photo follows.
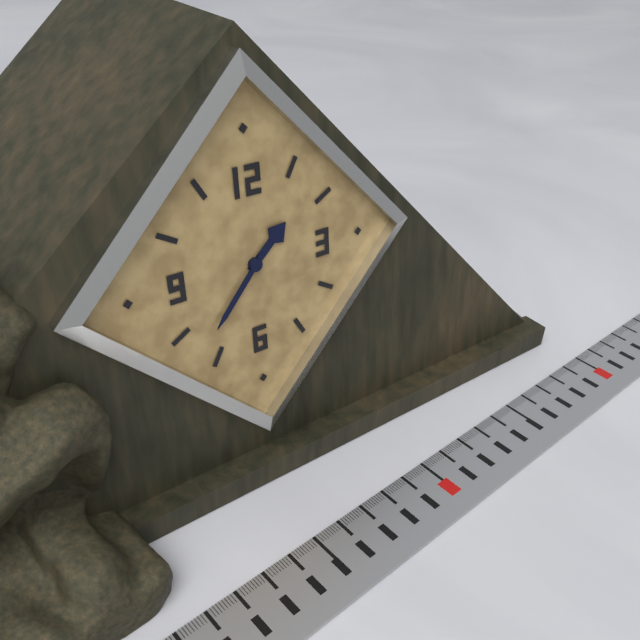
1.37
